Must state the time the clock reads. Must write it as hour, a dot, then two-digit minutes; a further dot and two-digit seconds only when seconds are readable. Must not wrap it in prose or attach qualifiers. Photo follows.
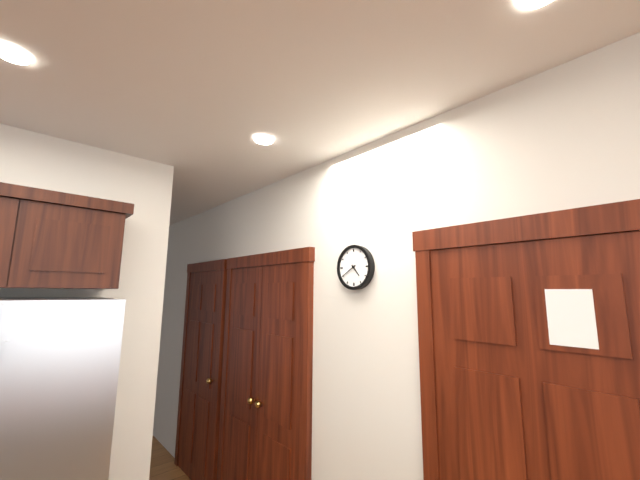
4.40
